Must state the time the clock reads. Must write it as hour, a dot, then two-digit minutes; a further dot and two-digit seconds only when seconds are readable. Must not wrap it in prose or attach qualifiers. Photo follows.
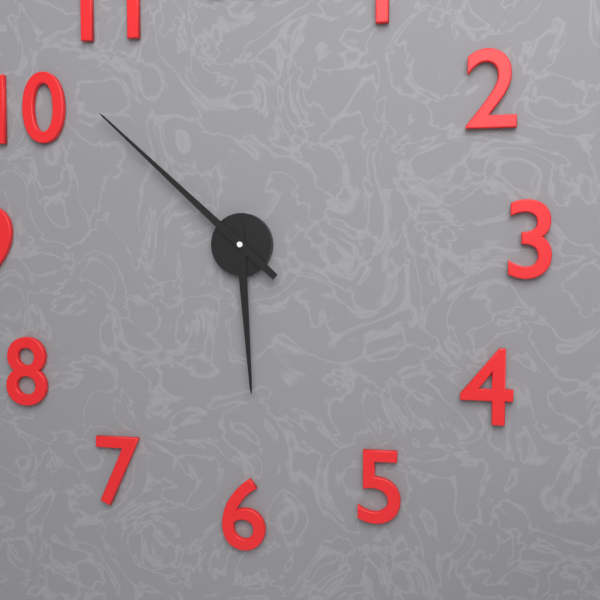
5.52
